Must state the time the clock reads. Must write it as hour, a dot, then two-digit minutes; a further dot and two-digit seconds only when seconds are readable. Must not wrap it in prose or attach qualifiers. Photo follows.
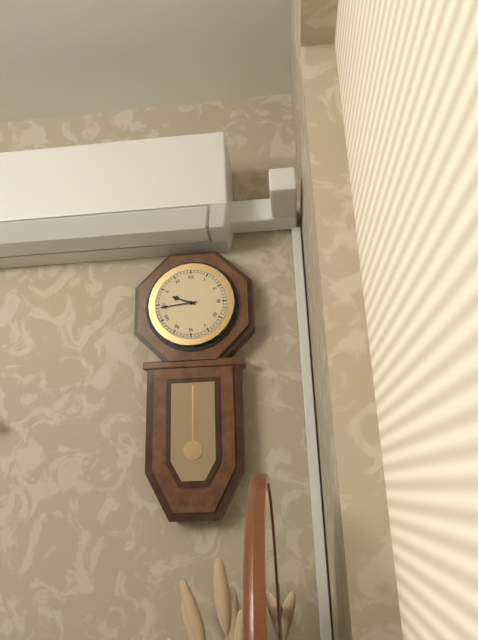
9.44
